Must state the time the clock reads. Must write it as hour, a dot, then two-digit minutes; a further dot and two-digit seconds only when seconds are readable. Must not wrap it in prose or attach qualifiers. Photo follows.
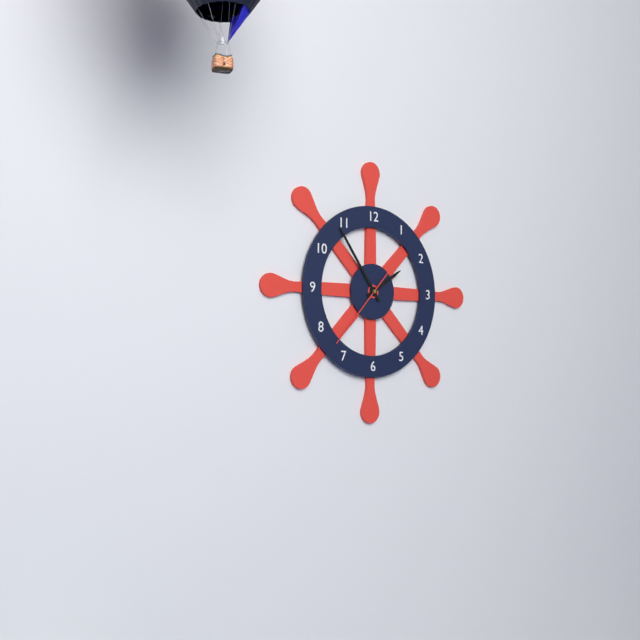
1.54.37
